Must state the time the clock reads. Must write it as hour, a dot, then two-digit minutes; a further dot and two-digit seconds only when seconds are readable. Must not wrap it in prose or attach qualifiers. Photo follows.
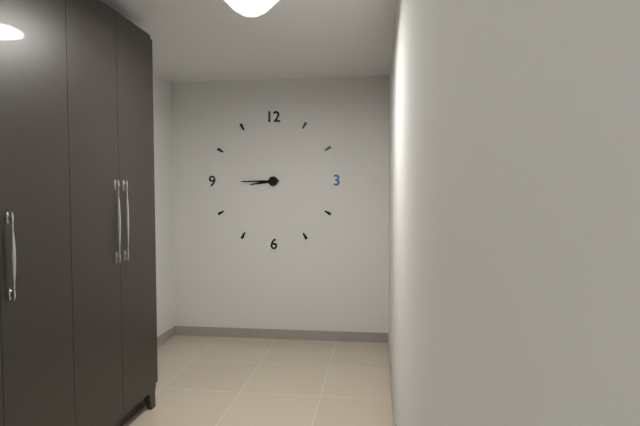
8.45
